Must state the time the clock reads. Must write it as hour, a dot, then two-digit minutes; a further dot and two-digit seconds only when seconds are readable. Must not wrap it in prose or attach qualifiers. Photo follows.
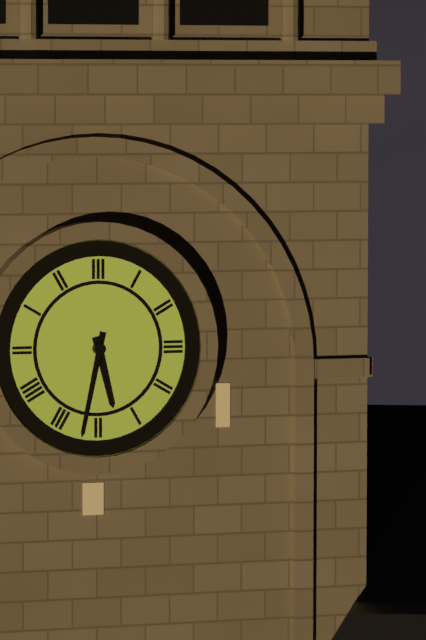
5.32
